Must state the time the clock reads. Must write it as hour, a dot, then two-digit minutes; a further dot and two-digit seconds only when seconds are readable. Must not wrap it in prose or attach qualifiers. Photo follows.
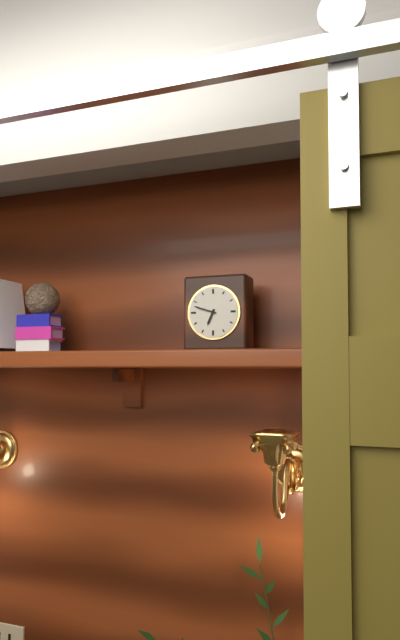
6.48
